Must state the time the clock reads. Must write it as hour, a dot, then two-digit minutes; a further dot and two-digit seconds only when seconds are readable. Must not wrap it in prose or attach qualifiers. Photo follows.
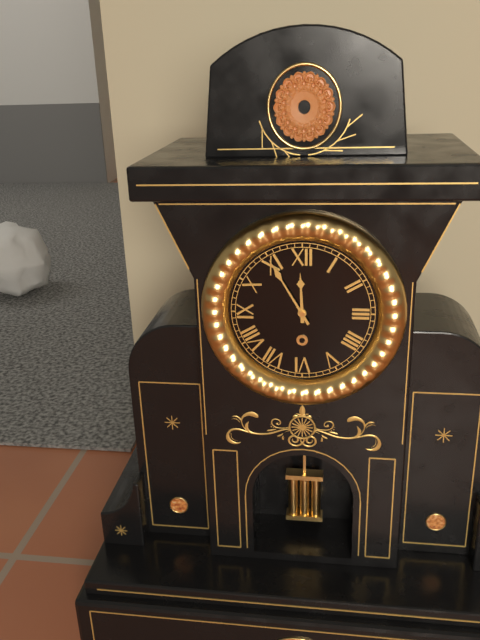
11.55
